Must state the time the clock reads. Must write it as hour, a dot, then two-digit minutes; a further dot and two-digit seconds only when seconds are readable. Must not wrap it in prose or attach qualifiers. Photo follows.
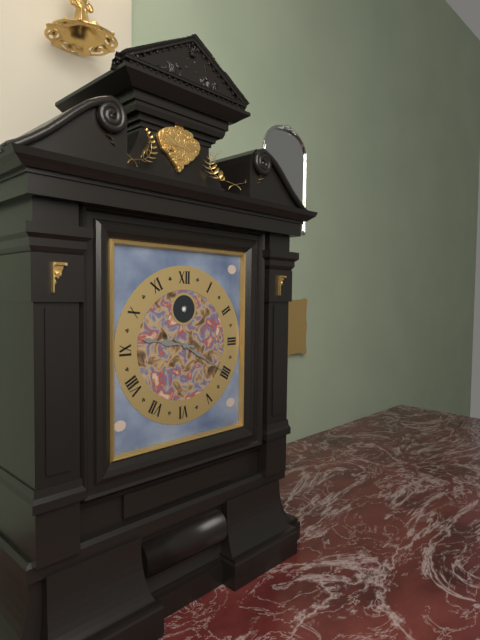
9.20
